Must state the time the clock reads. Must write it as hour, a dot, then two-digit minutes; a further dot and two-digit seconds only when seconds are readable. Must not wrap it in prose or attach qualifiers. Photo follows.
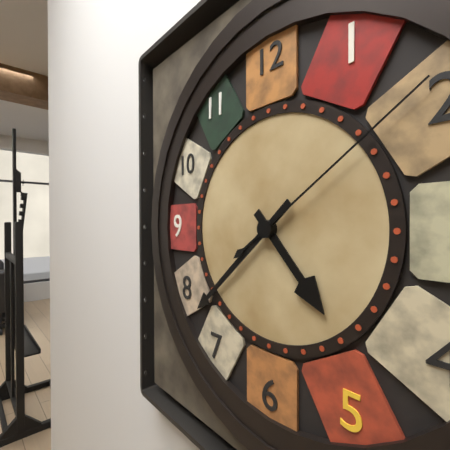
4.38.09
